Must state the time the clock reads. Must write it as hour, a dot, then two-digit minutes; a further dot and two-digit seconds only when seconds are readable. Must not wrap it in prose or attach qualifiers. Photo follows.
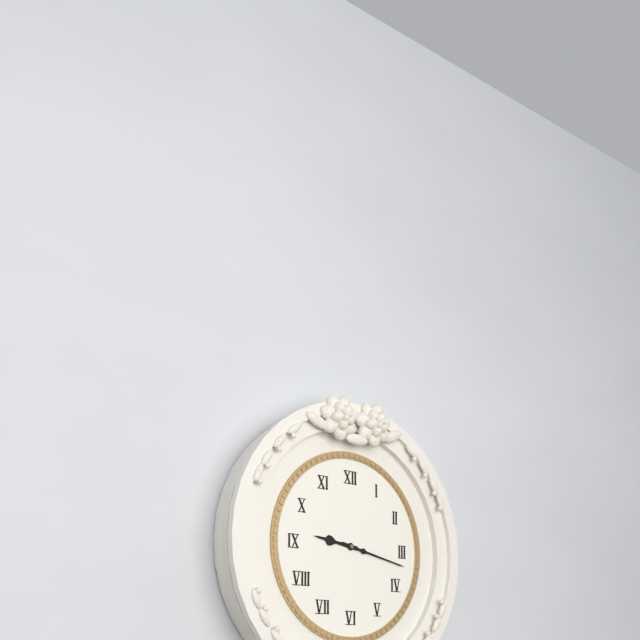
9.17
